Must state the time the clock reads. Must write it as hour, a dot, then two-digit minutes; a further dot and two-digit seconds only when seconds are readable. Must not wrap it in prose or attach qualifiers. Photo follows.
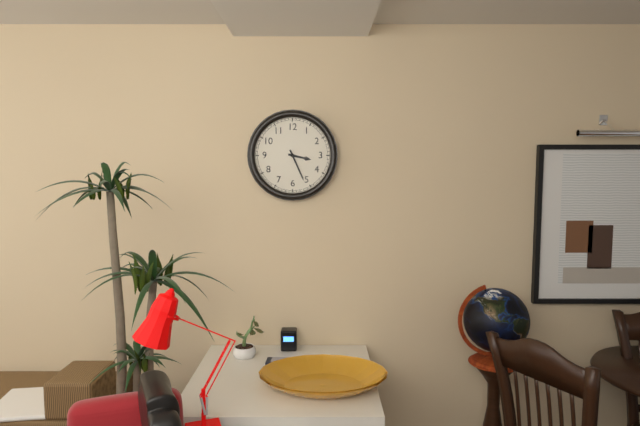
3.26
